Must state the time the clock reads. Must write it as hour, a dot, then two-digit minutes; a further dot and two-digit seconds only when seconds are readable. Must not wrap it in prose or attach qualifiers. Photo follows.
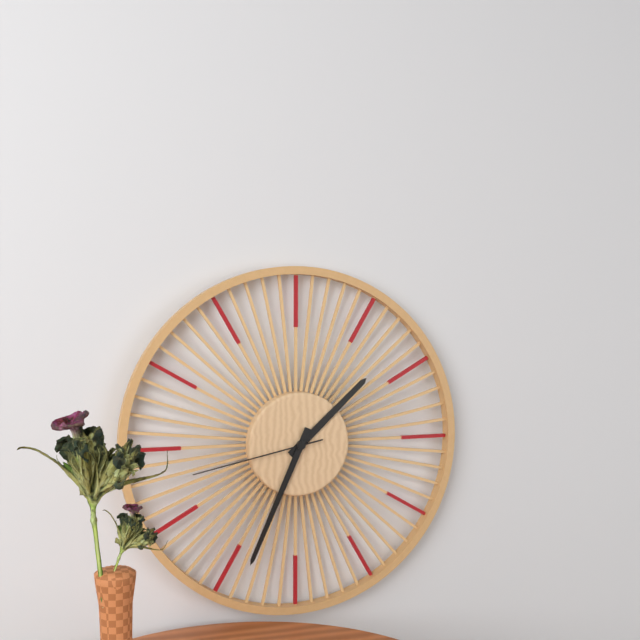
1.34.43
